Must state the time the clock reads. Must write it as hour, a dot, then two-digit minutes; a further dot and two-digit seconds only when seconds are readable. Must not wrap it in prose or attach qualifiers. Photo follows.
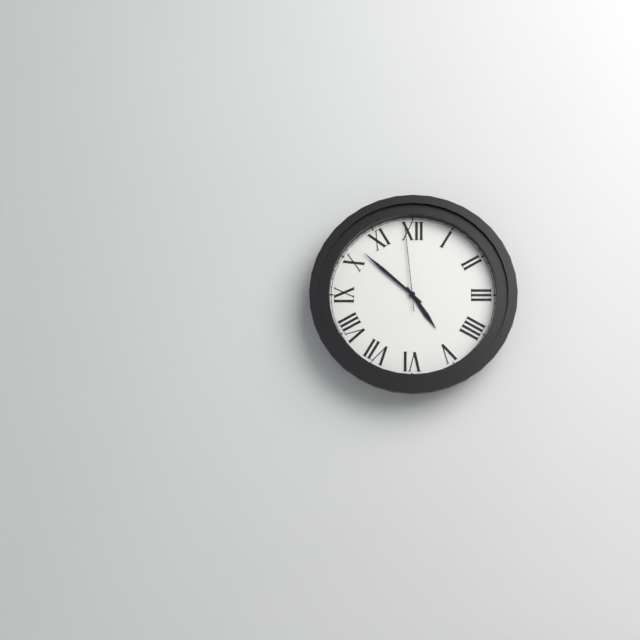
4.52.59
